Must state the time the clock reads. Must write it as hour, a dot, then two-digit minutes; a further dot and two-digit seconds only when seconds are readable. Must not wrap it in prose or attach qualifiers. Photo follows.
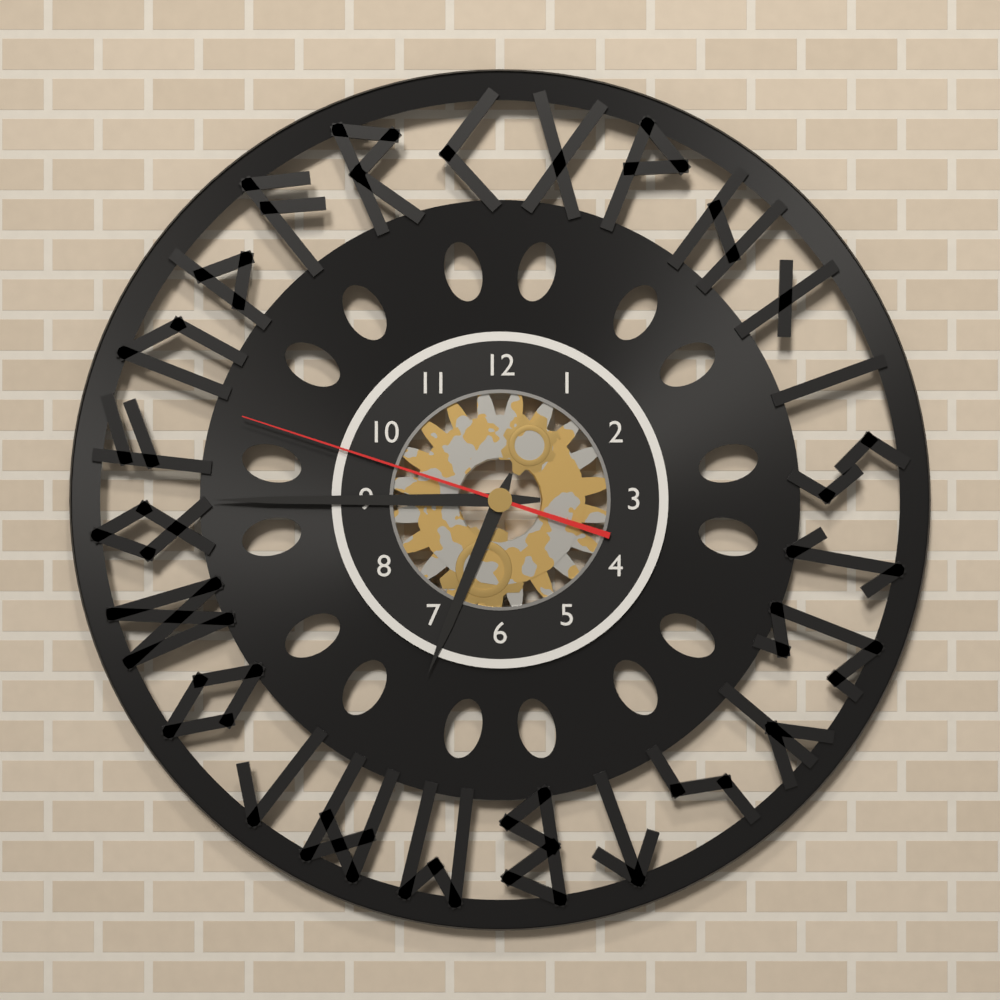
6.45.48
